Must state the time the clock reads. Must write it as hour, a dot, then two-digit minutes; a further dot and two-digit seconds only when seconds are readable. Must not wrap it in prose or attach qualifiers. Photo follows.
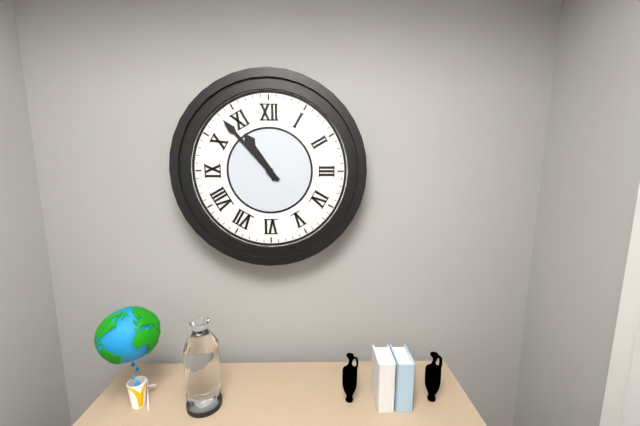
10.53
